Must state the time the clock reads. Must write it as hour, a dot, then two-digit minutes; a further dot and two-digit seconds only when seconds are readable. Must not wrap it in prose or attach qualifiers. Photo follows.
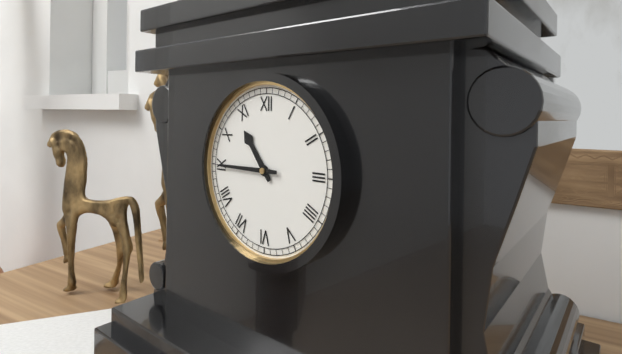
10.45
